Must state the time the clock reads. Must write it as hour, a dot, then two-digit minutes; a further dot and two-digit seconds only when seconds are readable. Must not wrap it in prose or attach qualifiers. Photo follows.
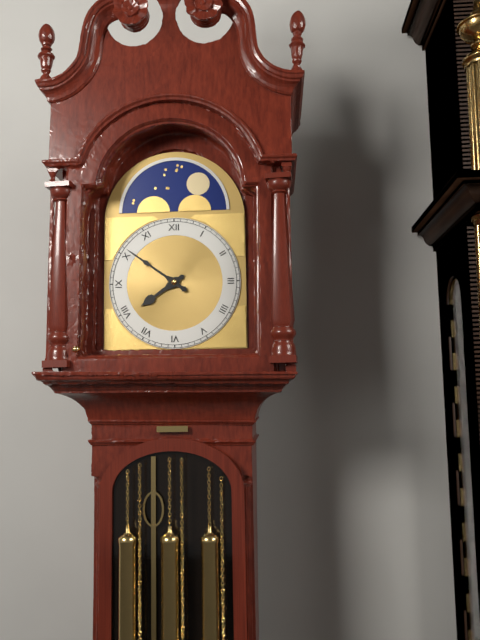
7.51
